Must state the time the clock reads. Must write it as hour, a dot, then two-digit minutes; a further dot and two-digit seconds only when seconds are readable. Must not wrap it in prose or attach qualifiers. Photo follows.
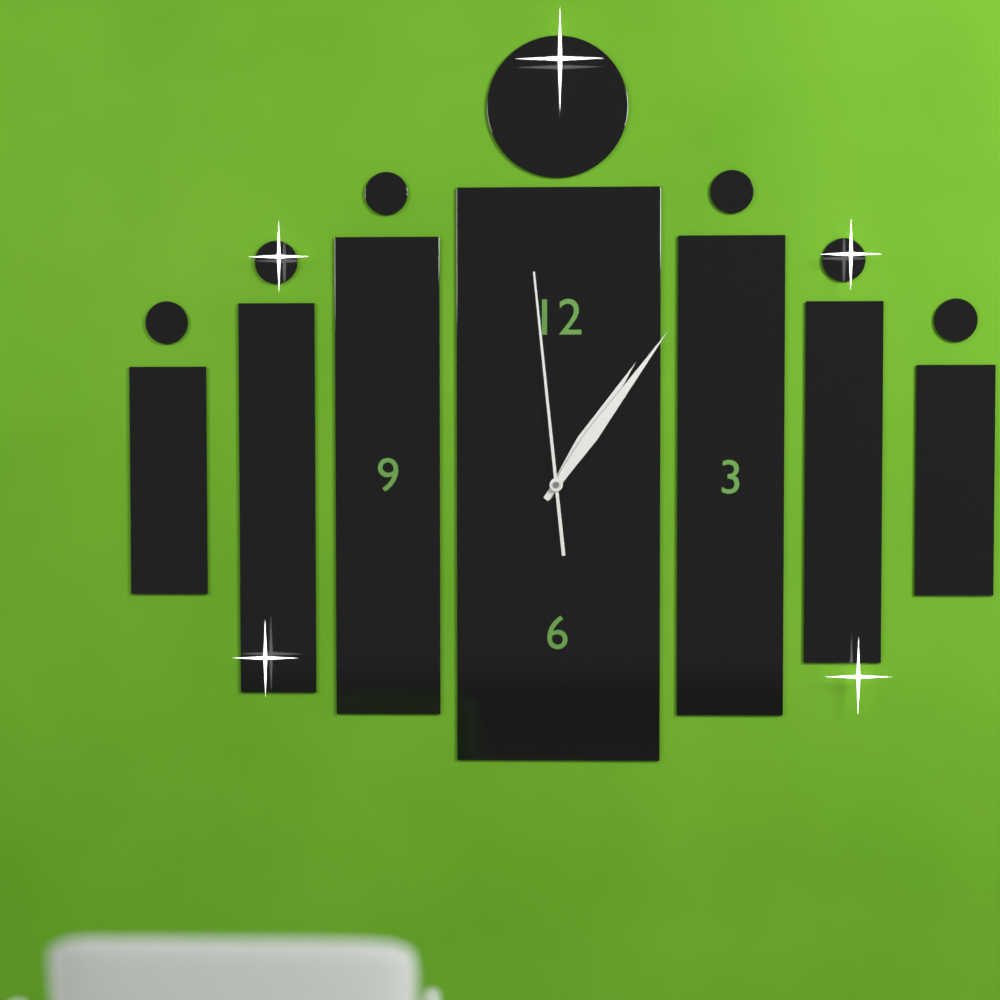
1.06.59
